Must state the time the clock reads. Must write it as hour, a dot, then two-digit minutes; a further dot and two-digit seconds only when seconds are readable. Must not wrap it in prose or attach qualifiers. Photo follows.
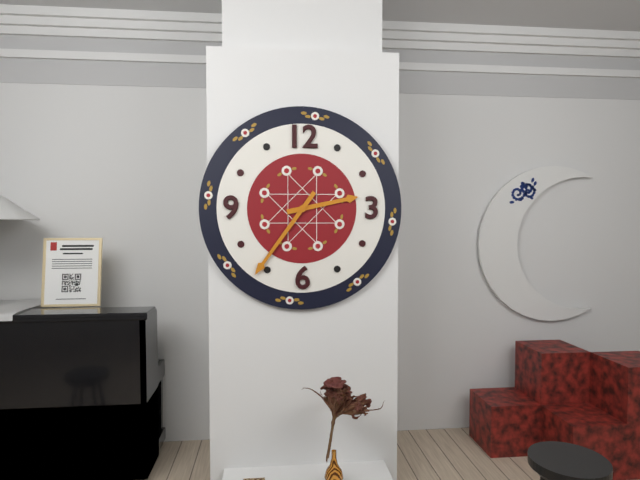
2.36
